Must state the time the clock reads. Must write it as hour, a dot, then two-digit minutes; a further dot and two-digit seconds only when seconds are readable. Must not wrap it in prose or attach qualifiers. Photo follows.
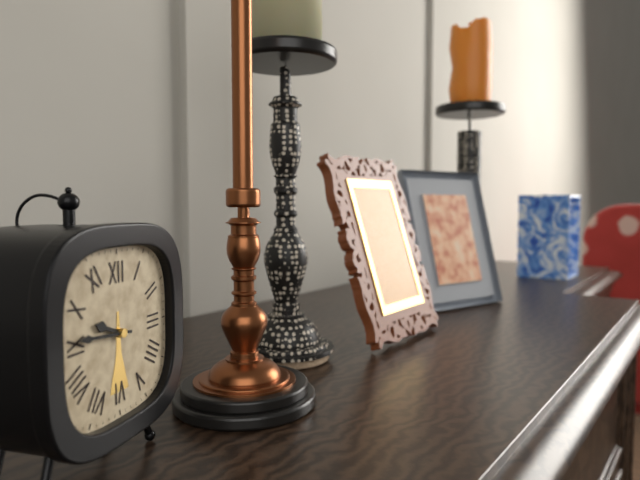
9.46
